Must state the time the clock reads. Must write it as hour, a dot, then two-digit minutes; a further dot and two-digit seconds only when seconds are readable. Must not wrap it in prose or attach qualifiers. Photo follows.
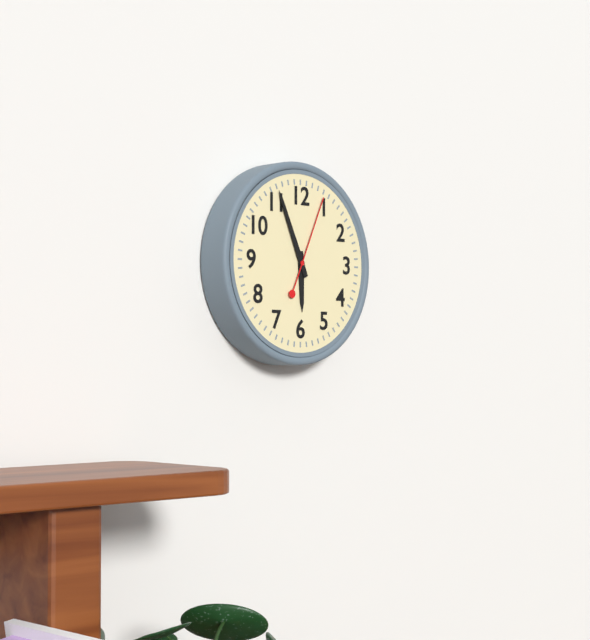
5.56.04
